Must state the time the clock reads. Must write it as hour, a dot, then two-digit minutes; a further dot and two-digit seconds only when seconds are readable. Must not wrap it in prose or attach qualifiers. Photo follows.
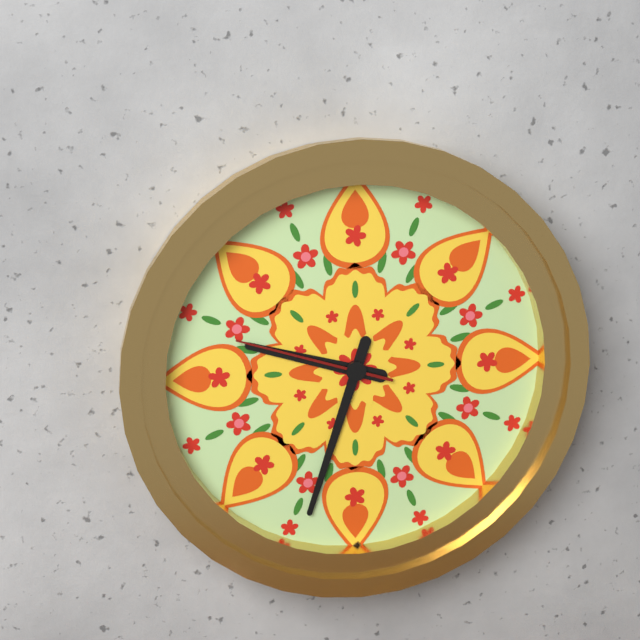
9.33.48
